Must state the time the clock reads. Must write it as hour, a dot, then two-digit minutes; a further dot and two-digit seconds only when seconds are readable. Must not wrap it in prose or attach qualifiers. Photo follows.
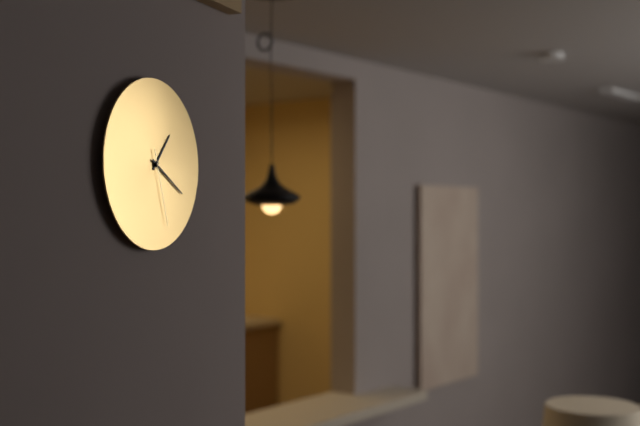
1.20.27
